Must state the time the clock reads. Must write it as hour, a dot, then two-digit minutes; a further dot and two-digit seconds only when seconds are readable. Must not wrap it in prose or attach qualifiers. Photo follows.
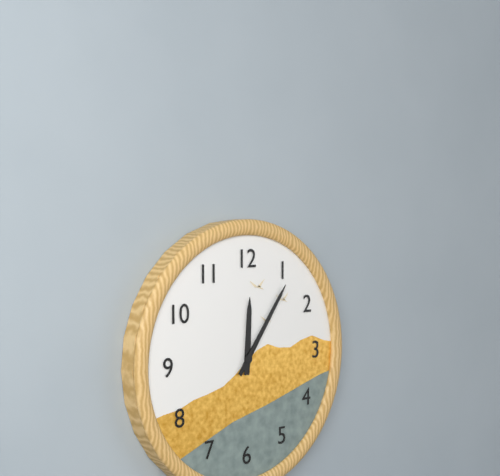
12.06
